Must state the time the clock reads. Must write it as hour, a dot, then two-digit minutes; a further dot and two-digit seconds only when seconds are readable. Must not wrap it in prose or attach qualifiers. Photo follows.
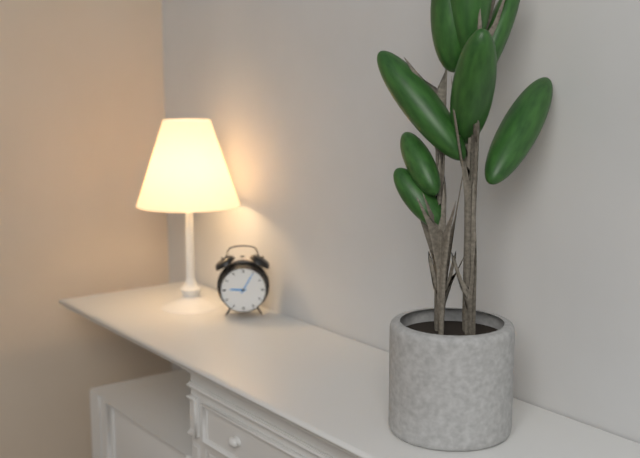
9.05
